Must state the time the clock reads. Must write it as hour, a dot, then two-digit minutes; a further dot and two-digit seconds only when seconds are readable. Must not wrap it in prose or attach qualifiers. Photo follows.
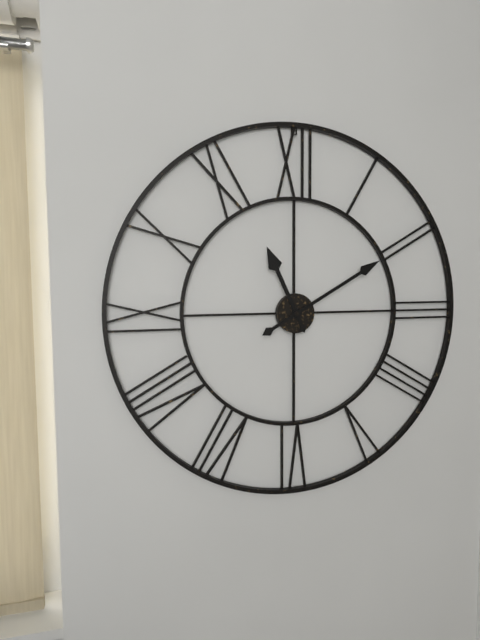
11.10
